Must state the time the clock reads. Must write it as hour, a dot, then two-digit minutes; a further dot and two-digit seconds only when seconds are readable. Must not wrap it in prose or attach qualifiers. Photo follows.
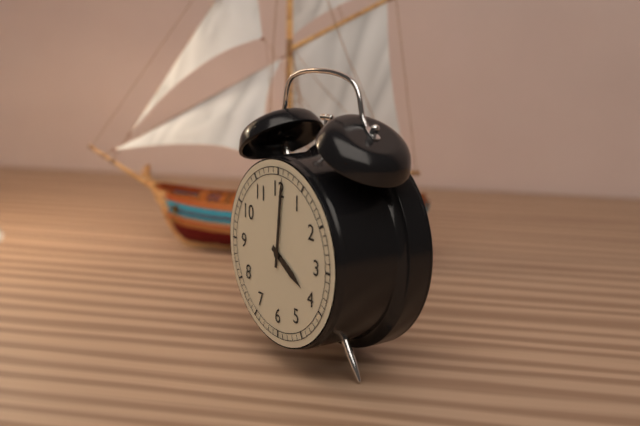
4.01
